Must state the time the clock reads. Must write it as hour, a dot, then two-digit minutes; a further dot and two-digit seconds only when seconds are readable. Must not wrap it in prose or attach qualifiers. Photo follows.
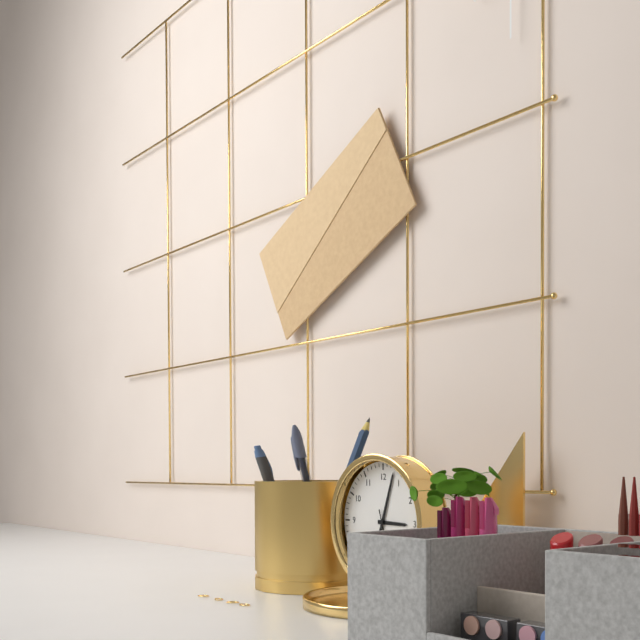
3.03
